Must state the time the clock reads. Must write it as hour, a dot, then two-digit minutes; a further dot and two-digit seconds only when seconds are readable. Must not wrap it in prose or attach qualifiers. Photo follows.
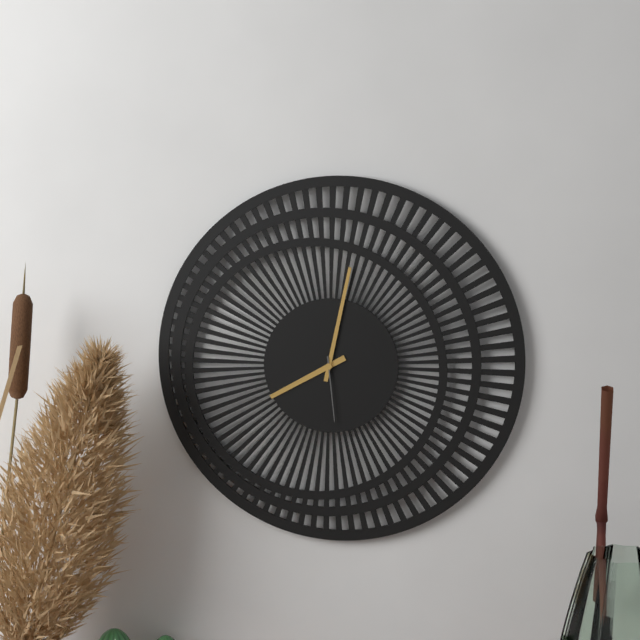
8.02.29
